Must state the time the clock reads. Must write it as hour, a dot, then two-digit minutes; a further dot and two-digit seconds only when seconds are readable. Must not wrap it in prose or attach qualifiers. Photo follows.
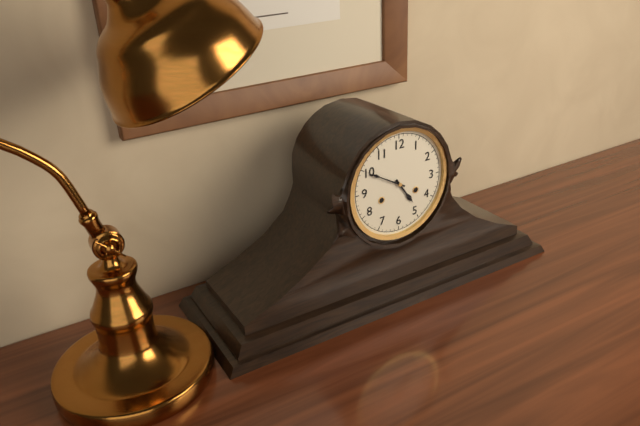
4.50
